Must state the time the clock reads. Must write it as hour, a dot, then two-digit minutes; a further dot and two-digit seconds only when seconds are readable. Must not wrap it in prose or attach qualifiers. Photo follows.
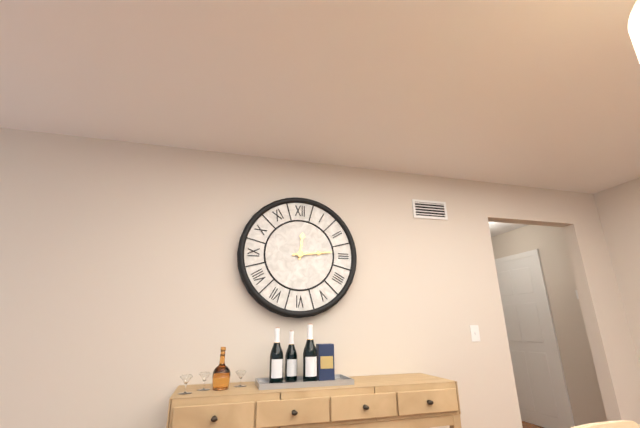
12.14
